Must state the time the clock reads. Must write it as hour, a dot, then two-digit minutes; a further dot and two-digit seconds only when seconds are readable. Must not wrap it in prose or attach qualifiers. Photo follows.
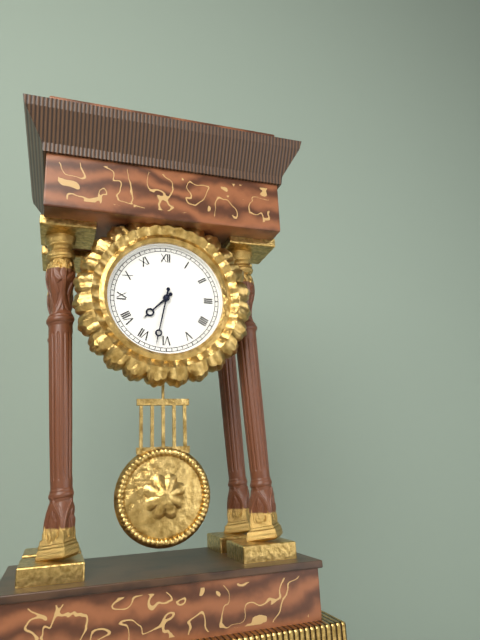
7.32
